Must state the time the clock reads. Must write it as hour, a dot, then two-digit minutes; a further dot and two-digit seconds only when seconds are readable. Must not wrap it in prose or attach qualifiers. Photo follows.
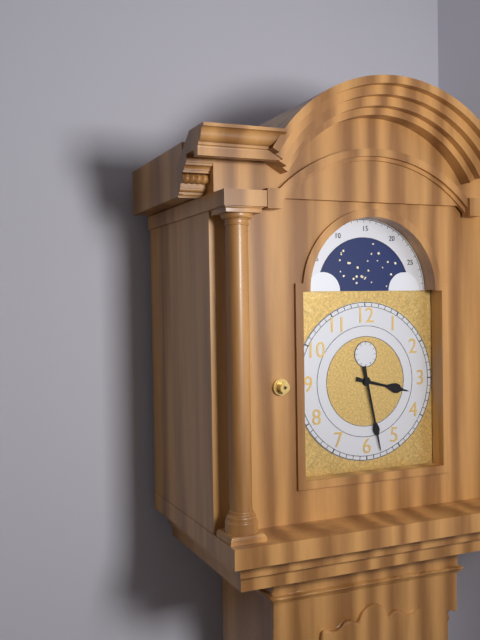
3.28
